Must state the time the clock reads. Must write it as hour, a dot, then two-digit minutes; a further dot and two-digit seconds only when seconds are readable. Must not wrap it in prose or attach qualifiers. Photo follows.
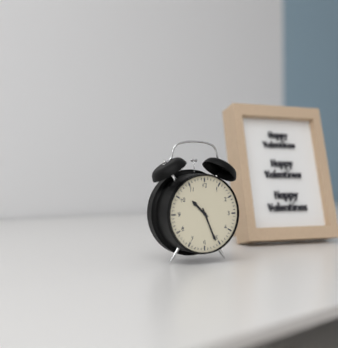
10.26
